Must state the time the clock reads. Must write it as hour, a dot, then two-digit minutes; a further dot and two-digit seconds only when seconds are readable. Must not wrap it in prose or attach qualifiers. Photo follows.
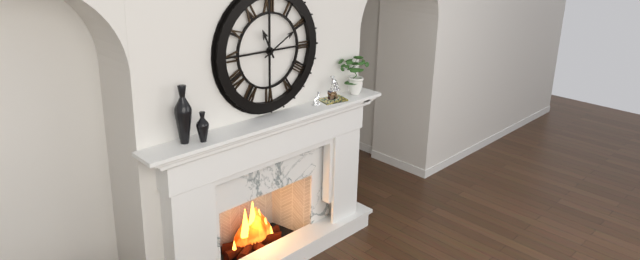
11.10
